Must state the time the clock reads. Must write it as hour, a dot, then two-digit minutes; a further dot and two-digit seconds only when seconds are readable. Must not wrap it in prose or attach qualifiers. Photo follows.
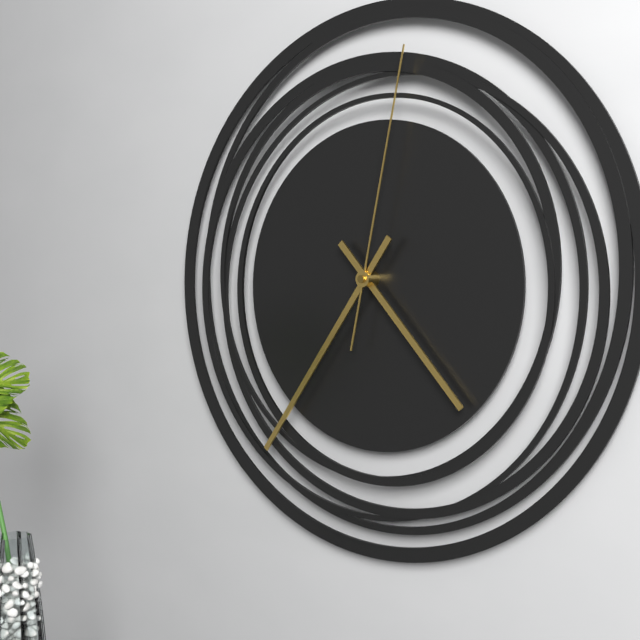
4.36.02
